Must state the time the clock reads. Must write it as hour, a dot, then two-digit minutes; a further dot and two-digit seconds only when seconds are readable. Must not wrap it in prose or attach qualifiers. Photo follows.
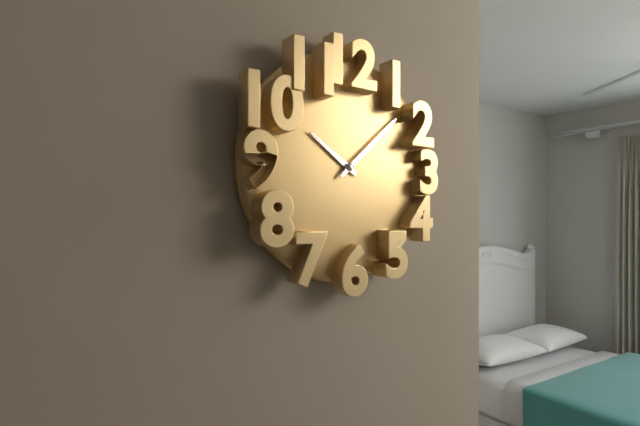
10.08
